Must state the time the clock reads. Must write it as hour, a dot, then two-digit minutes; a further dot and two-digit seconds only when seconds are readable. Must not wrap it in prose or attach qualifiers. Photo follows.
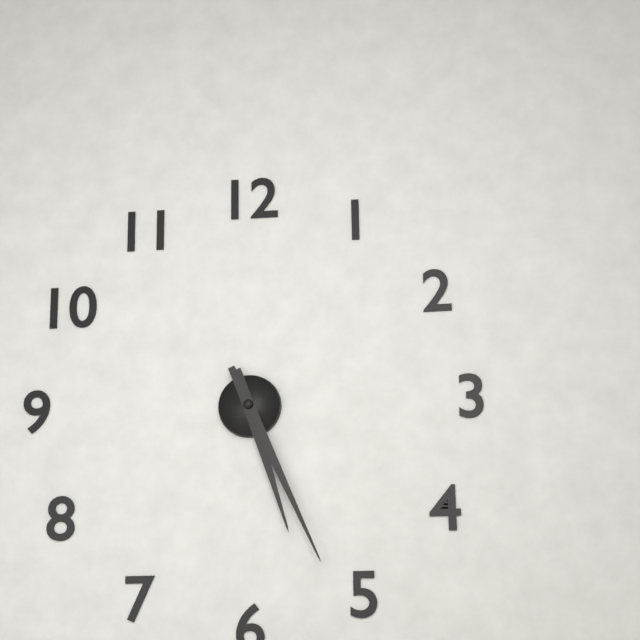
5.26
